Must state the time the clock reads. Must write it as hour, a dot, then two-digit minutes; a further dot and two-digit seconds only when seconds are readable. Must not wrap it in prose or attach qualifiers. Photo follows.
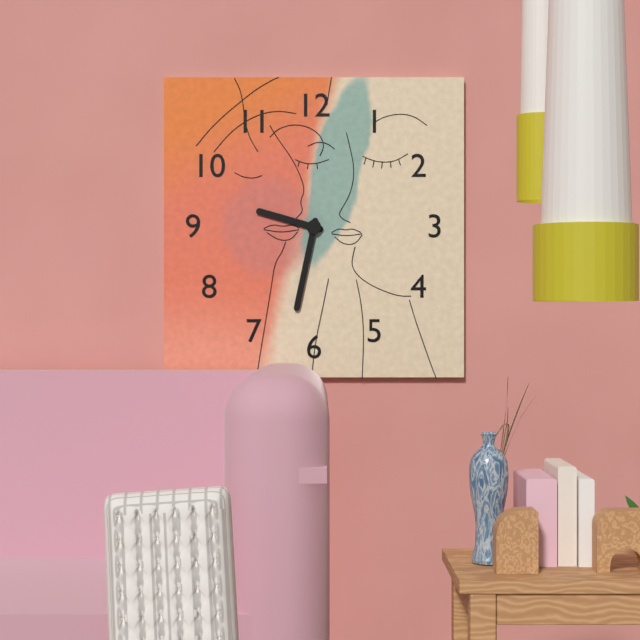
9.32
